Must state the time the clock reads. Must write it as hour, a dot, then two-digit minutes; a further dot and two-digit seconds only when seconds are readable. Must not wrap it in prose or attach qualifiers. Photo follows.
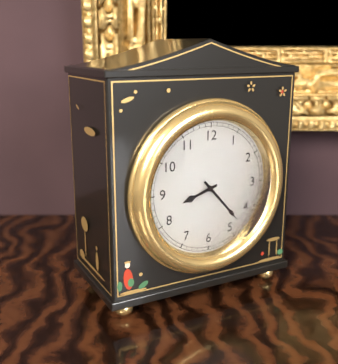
8.23
